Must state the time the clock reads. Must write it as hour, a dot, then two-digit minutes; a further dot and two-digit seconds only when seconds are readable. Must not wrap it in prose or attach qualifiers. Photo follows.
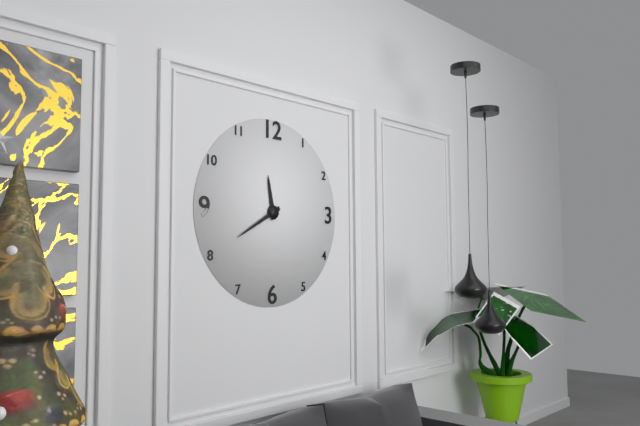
11.40
